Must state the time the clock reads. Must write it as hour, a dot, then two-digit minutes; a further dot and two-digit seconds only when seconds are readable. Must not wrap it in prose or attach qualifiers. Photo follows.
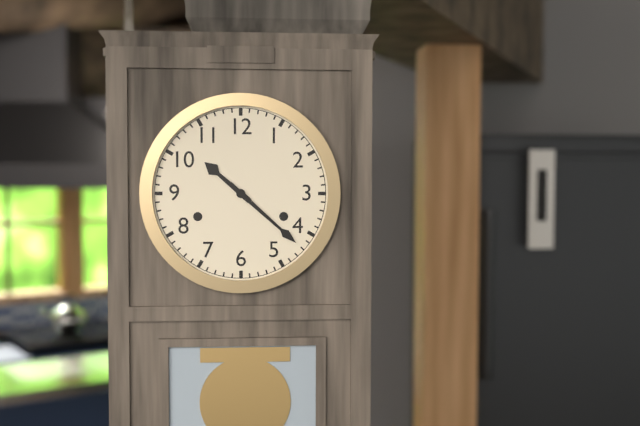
10.22
